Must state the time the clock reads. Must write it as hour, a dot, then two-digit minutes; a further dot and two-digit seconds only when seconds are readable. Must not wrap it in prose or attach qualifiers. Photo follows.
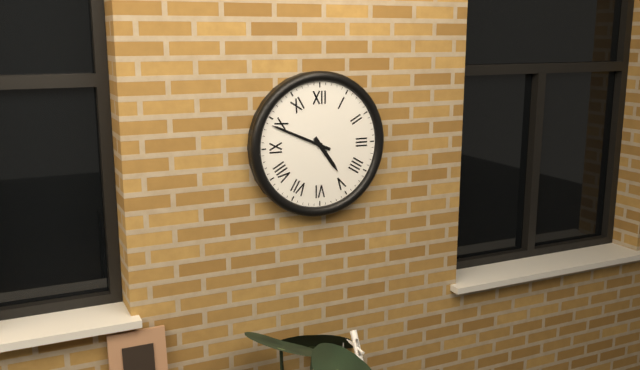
4.49
